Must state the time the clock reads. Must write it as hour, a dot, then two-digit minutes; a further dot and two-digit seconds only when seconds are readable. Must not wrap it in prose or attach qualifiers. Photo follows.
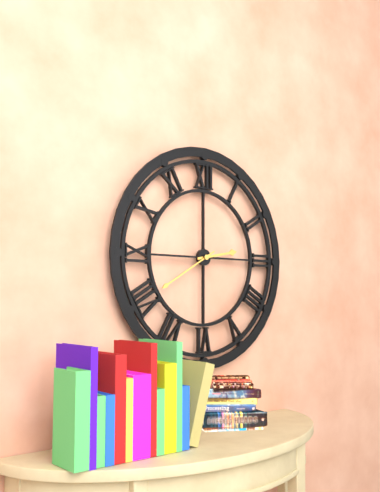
2.40
